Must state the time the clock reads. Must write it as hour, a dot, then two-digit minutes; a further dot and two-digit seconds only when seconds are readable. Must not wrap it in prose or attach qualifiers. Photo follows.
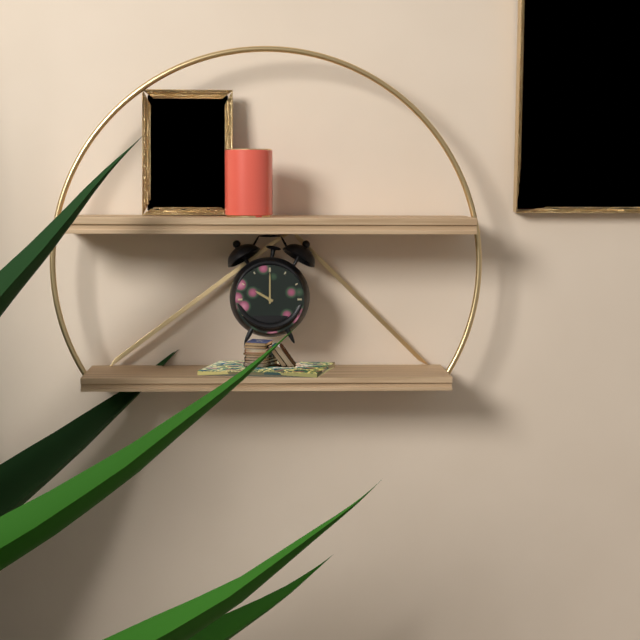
10.00
